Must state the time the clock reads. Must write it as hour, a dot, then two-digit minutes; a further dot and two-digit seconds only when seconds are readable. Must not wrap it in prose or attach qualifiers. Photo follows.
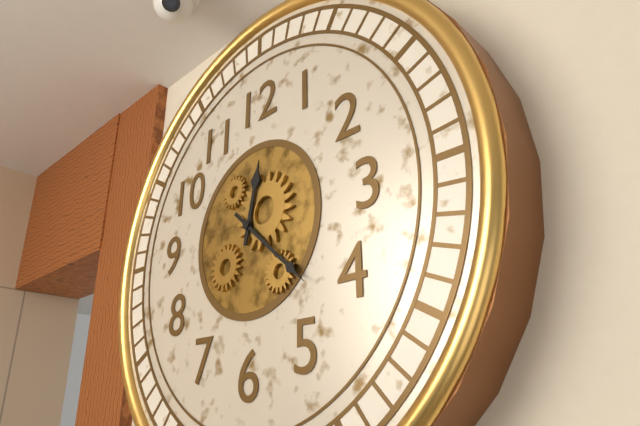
12.22
